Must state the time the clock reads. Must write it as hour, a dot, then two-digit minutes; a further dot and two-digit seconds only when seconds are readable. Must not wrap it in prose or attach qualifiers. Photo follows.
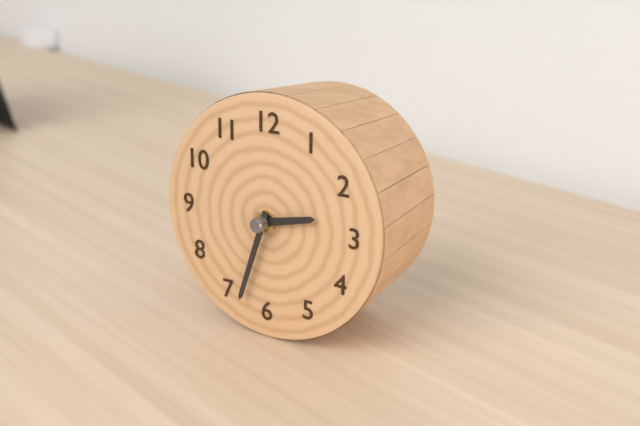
2.33
